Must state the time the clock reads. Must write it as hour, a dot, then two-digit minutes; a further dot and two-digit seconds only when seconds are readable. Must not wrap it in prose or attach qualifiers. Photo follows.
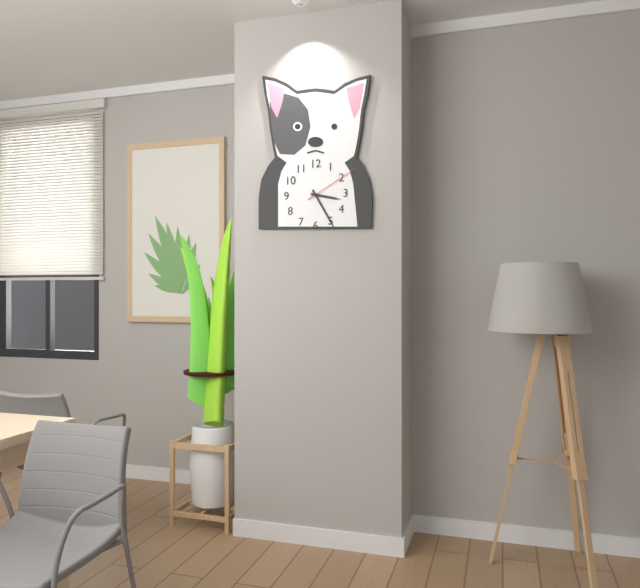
3.25.10
